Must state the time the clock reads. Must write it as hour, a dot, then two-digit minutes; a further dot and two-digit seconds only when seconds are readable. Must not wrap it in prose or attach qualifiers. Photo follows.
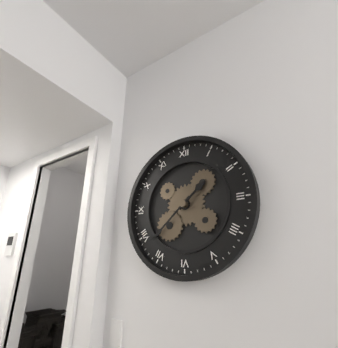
1.38
